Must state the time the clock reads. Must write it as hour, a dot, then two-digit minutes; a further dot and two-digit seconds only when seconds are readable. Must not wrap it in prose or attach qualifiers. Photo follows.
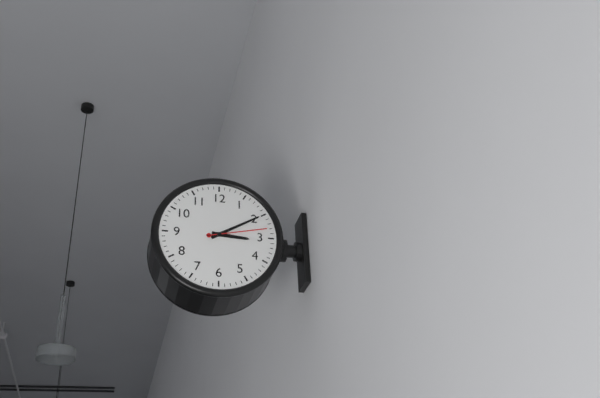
3.10.13
